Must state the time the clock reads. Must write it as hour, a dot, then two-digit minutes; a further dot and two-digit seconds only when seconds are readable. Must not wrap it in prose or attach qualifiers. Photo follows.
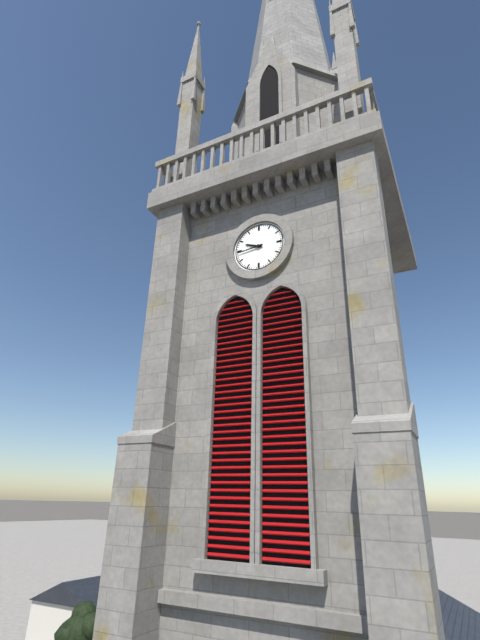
9.44
